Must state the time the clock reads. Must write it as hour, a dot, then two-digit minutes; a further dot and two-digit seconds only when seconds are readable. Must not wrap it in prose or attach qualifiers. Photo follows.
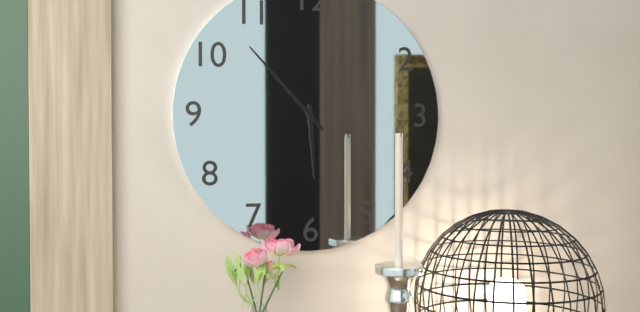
5.53
